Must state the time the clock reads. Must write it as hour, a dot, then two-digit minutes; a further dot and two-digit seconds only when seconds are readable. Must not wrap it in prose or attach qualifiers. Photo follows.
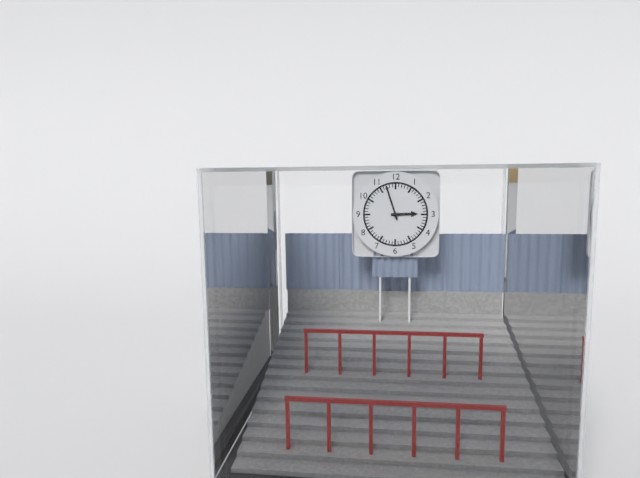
2.57
